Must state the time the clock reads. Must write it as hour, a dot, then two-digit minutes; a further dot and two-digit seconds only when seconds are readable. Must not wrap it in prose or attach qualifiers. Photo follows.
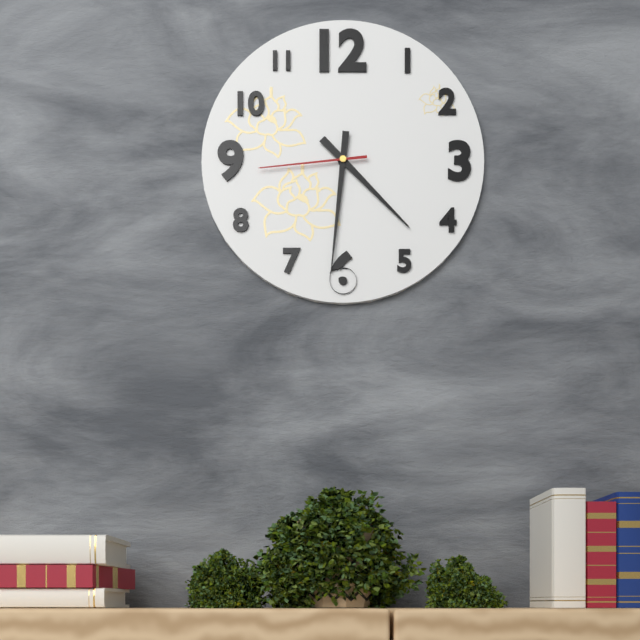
4.31.44
